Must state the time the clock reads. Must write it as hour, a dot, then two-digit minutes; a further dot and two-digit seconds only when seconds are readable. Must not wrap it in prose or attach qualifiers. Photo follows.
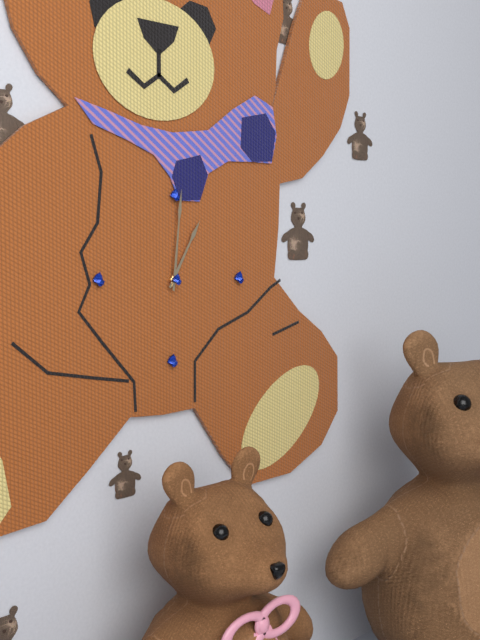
1.01
